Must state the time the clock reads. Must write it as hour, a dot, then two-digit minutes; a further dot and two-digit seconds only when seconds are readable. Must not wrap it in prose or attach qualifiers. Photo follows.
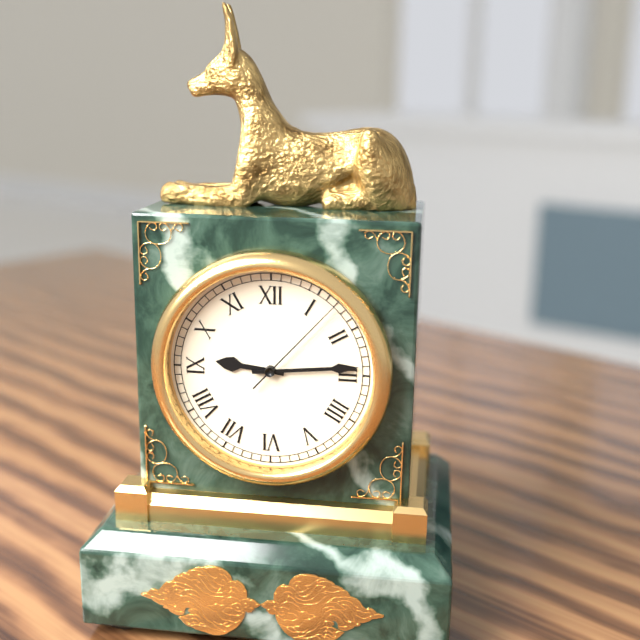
9.14.07
